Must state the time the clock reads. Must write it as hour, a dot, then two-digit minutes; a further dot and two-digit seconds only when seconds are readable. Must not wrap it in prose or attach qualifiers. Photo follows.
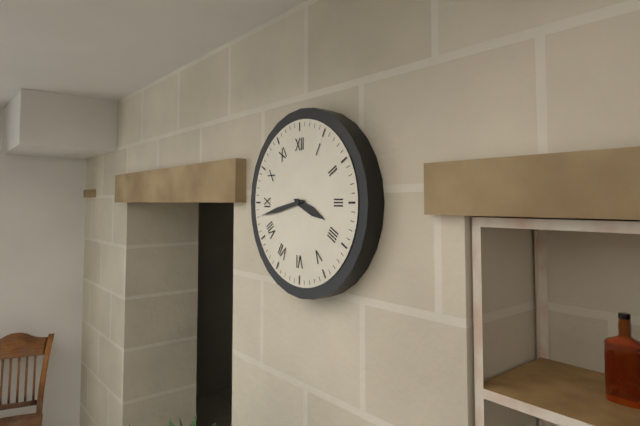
3.43
